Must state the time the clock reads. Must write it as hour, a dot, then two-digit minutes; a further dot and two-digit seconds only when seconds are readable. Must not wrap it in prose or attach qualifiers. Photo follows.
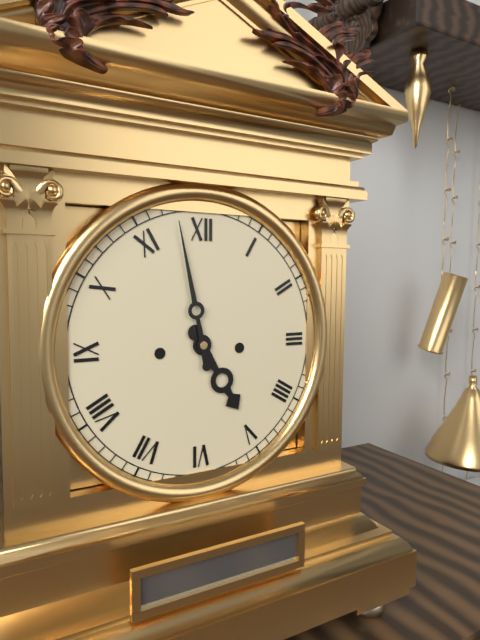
4.58
